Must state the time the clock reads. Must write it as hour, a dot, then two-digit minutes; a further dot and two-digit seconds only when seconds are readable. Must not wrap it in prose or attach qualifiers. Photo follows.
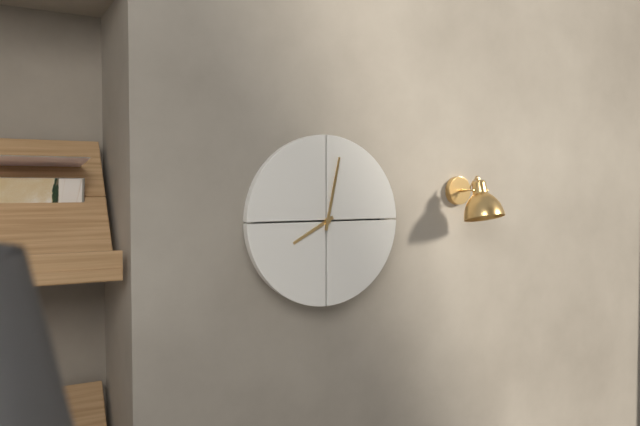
8.02
